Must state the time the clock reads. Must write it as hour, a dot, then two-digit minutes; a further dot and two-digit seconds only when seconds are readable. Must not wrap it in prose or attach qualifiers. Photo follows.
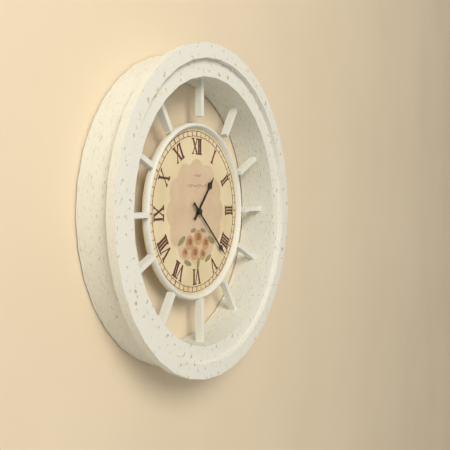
1.22
